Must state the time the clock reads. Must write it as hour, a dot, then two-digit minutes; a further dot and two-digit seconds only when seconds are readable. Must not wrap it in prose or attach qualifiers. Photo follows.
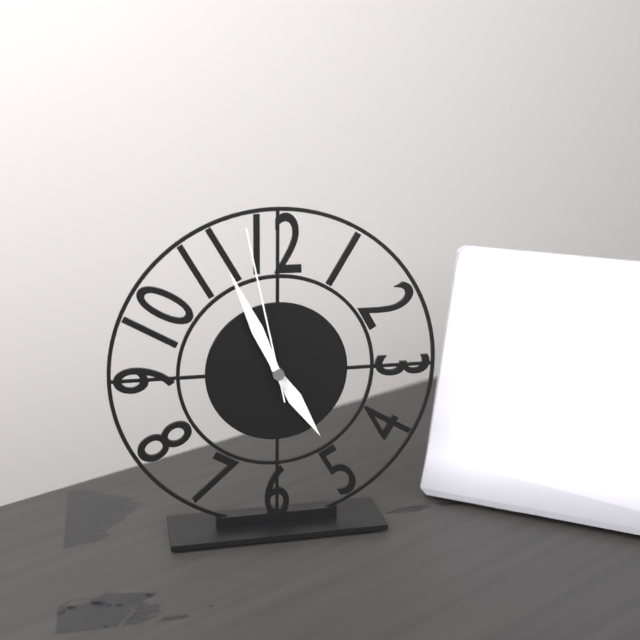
4.56.58
